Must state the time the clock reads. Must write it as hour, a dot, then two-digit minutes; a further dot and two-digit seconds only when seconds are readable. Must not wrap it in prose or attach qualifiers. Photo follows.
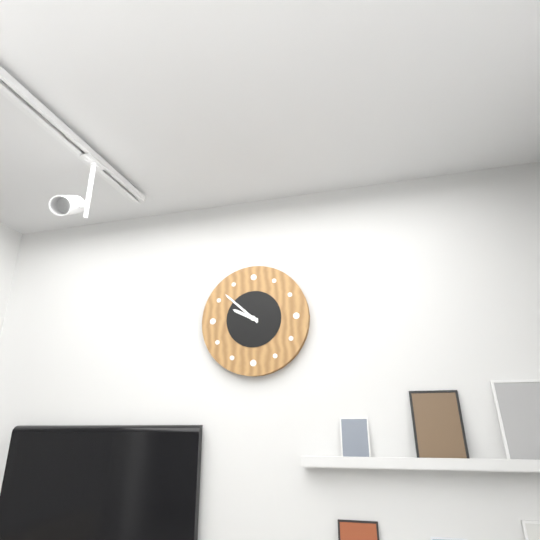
9.52
